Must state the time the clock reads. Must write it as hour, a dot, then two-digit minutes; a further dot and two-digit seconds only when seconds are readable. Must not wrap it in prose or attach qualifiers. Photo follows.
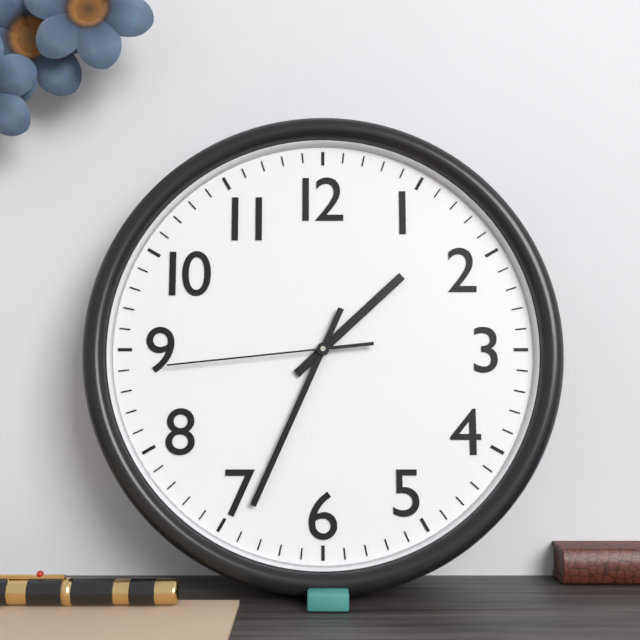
1.34.44
